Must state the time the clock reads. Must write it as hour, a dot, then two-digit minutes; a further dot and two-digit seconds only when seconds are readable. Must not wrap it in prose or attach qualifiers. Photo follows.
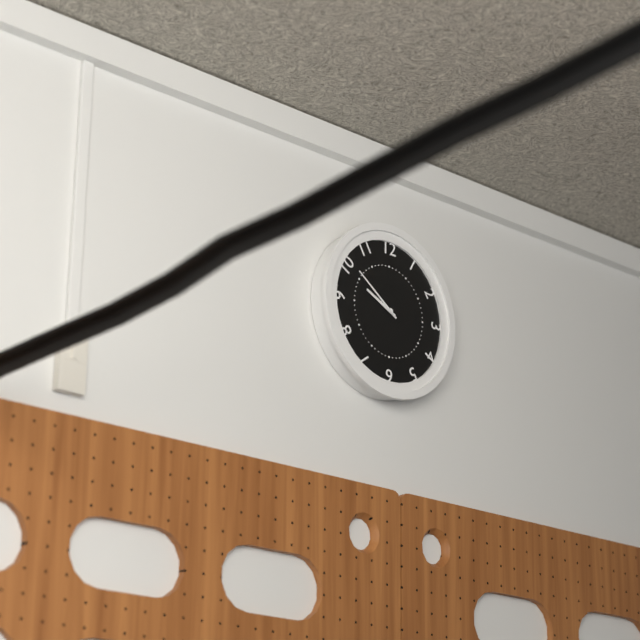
9.51
